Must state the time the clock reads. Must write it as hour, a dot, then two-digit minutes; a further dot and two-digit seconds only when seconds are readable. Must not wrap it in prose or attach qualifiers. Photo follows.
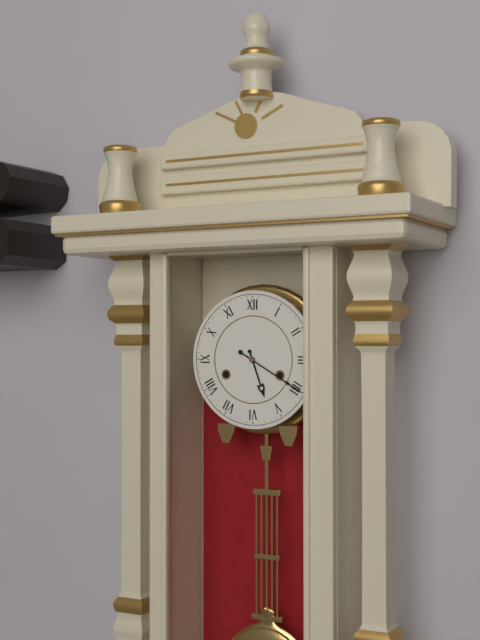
5.20
